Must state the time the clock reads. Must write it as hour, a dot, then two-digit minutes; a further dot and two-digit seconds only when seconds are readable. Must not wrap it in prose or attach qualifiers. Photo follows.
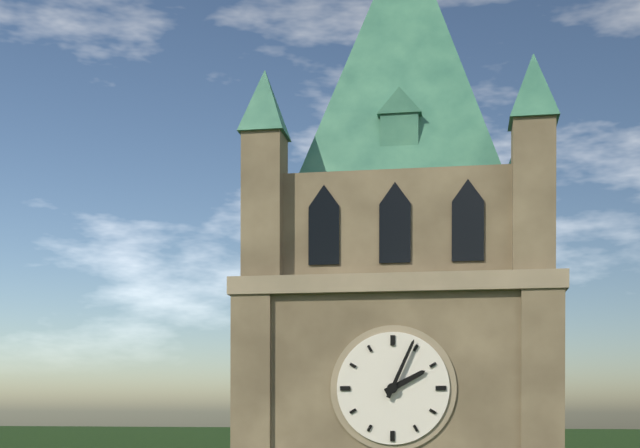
2.04
